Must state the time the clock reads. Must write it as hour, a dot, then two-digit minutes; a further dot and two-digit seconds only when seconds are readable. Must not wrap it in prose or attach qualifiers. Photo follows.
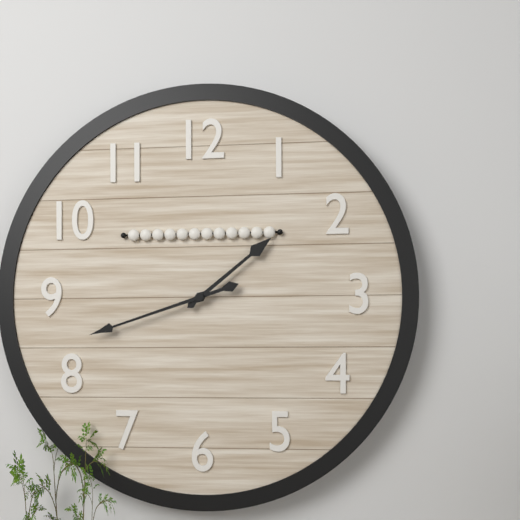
1.42
